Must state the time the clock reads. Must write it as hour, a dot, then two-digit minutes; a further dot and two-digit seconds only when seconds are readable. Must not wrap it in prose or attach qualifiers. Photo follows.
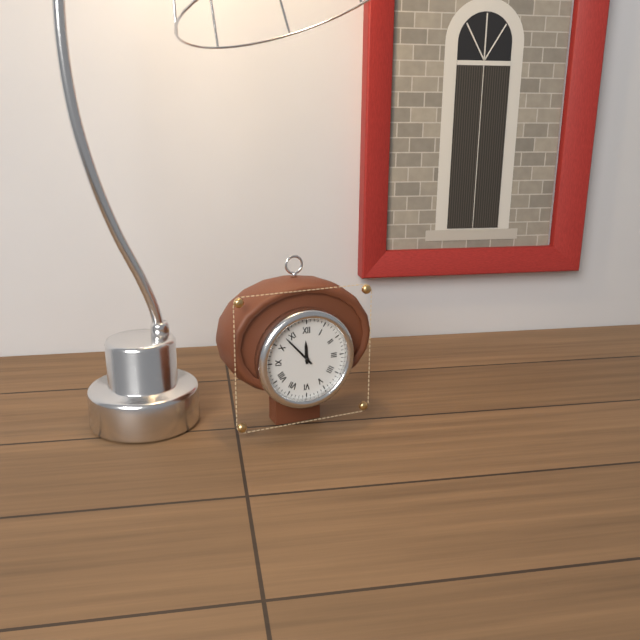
11.53
